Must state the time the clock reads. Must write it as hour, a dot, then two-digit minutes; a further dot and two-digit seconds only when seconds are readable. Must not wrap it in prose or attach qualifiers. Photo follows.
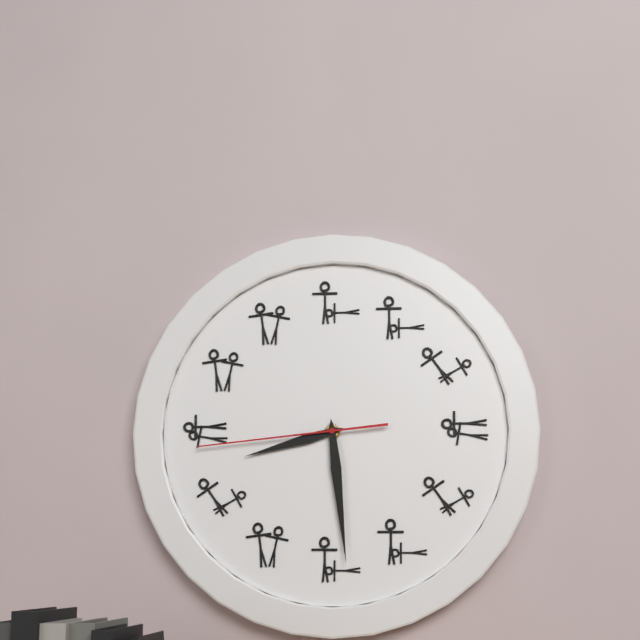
8.29.44
